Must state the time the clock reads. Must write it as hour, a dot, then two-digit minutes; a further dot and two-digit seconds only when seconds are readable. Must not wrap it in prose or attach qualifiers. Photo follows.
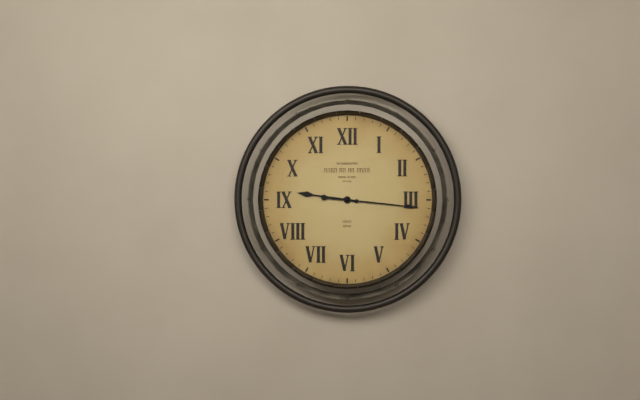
9.16
